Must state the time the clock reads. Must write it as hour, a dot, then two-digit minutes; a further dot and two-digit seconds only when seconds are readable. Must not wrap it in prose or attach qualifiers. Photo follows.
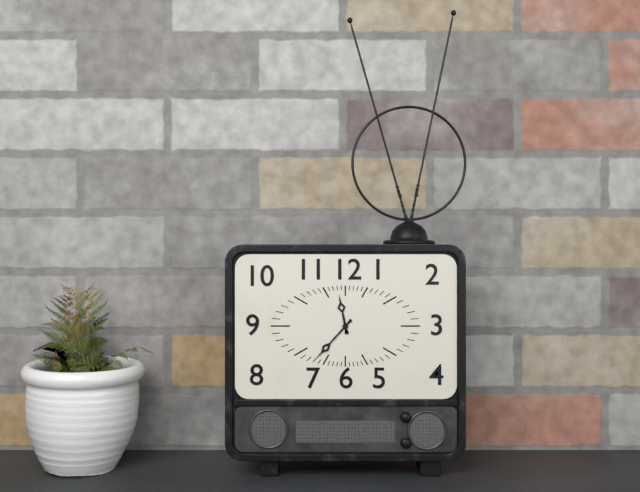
11.37
